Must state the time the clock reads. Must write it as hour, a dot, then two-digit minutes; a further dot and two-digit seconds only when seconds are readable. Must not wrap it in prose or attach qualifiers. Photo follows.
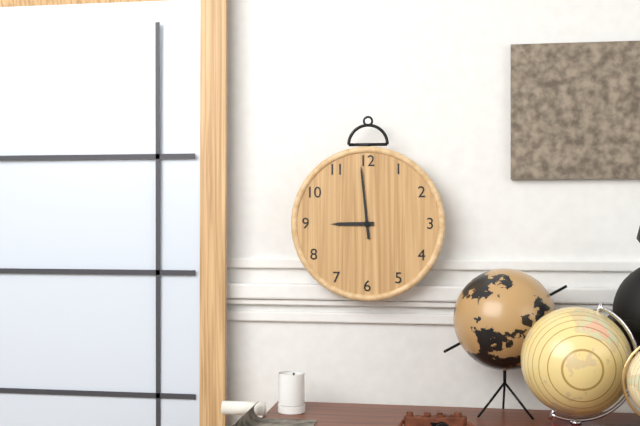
8.59
